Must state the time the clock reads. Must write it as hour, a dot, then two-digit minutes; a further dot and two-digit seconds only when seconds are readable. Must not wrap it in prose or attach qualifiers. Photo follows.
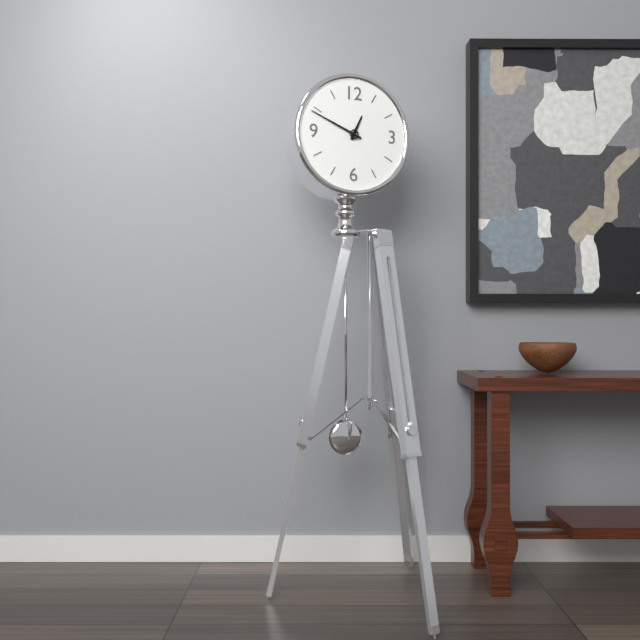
12.49
